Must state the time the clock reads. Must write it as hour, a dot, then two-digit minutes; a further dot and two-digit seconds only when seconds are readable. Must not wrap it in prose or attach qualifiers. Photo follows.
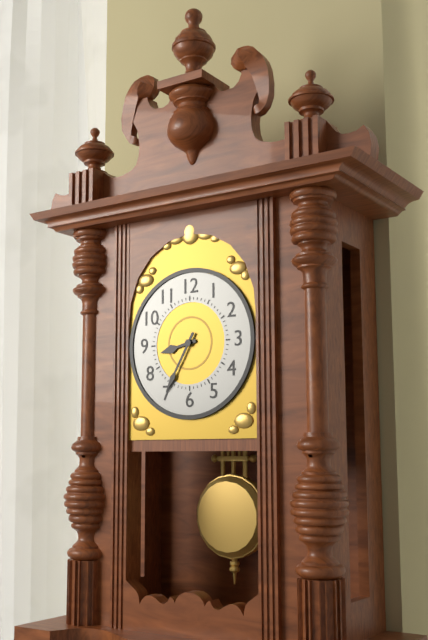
8.35
